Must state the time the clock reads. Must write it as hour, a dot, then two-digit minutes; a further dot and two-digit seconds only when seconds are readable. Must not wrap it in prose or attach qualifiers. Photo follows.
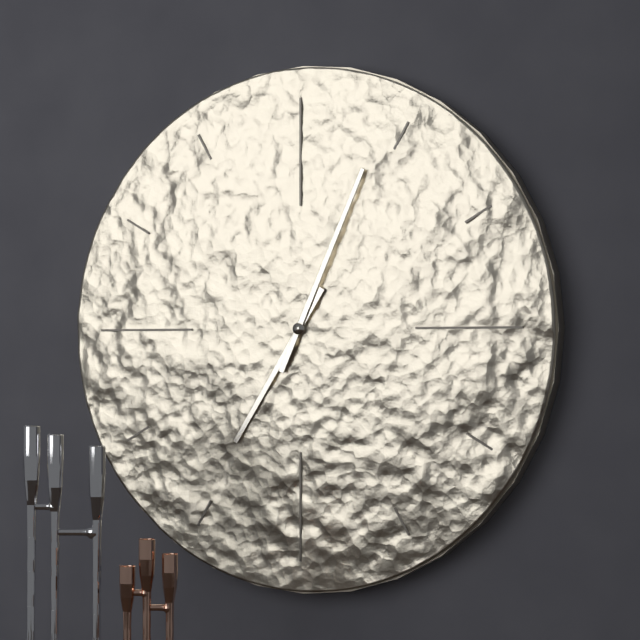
7.04
